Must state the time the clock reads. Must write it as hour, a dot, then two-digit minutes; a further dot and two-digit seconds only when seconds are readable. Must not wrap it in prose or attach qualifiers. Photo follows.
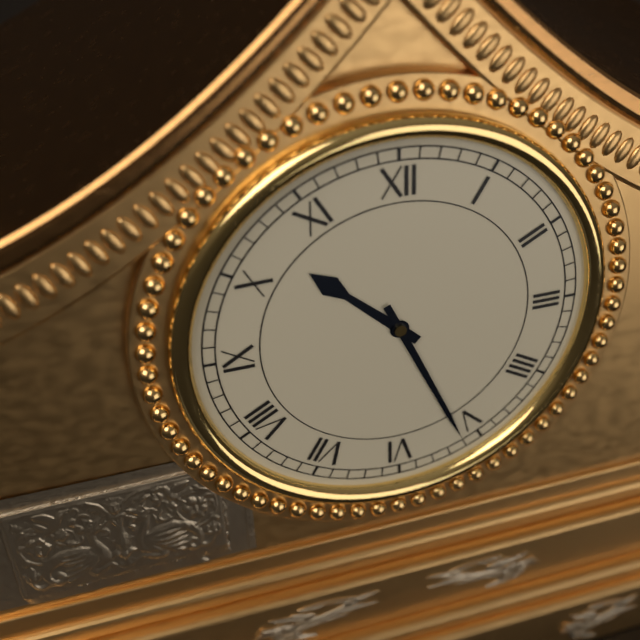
10.26
